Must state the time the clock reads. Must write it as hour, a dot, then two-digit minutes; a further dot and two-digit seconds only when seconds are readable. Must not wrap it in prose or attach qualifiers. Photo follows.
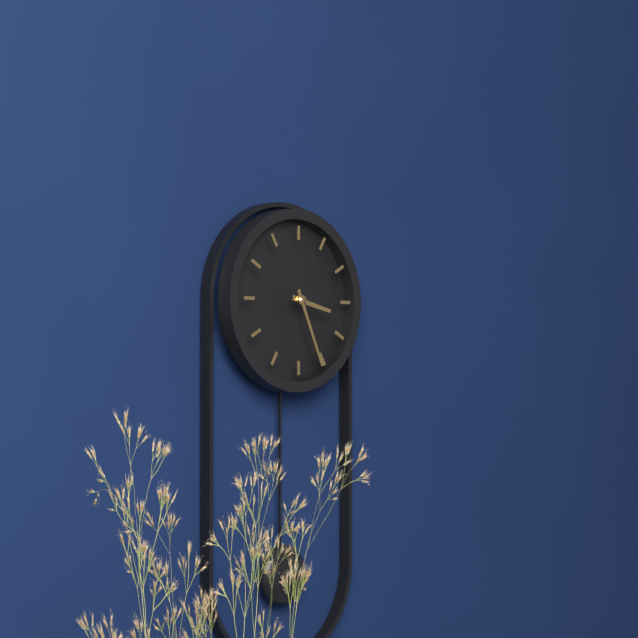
3.26
